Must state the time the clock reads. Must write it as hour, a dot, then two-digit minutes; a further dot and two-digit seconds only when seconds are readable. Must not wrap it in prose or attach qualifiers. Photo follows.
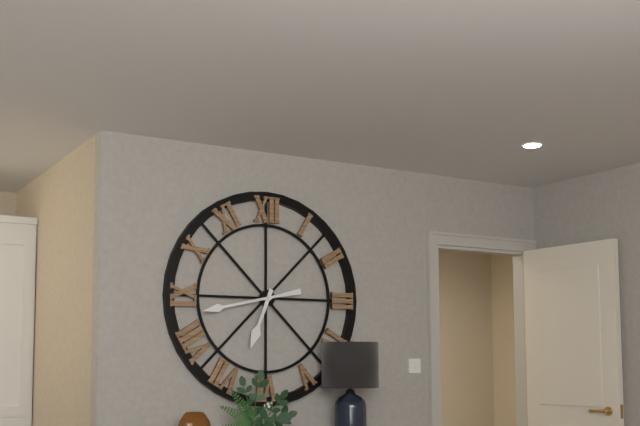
6.43
